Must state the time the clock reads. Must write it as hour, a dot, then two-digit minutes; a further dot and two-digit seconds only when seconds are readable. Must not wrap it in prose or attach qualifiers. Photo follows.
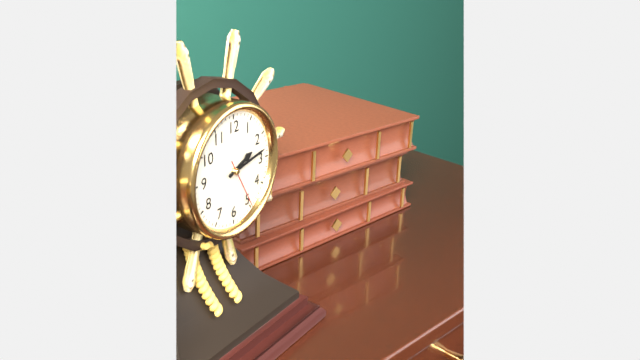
2.13
